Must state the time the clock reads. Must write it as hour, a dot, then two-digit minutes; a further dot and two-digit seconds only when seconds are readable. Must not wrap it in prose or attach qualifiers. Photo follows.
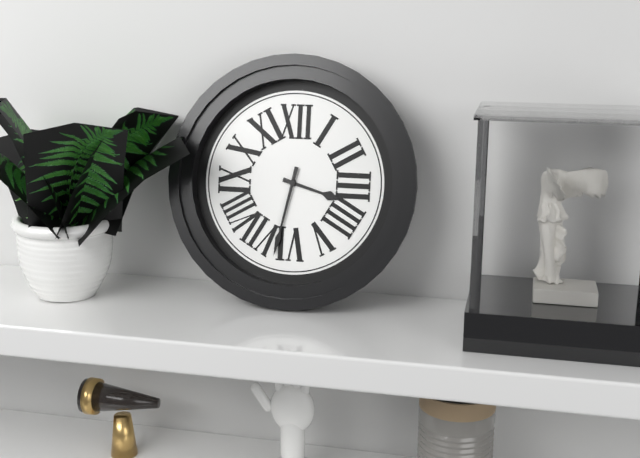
3.32
